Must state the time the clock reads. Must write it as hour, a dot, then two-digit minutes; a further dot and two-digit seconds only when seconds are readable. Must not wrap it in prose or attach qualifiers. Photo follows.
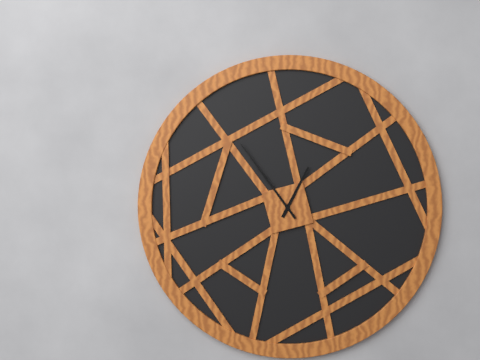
12.54
